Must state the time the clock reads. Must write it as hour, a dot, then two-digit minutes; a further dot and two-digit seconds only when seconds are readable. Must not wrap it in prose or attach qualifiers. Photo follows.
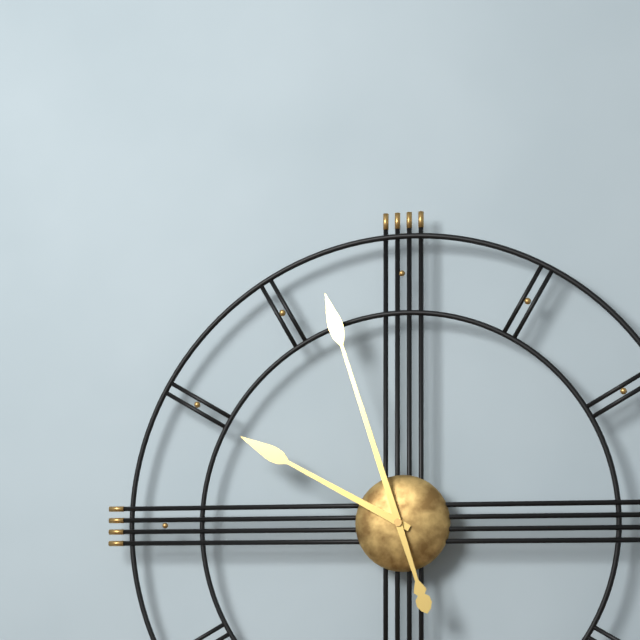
9.57
